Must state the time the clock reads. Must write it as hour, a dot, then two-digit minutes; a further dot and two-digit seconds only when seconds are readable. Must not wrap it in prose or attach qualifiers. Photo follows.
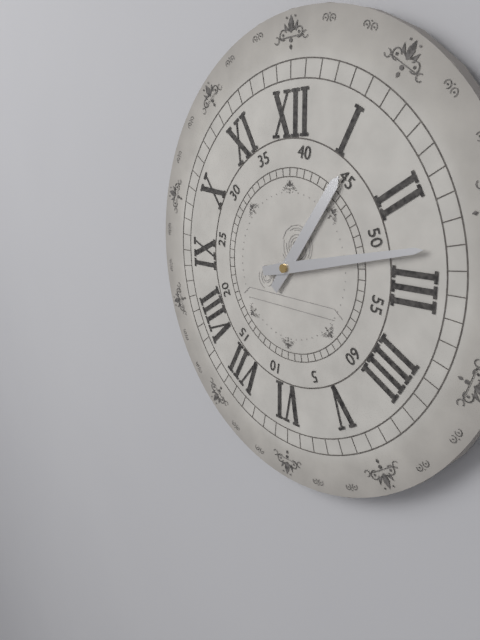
1.13
